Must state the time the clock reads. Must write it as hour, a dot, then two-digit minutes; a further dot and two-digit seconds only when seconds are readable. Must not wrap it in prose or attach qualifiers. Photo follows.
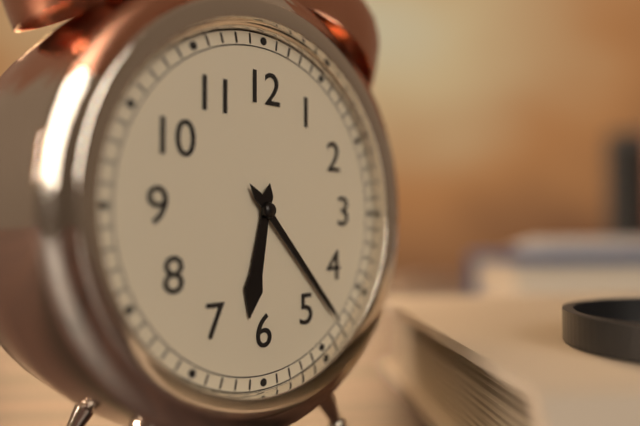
6.23
